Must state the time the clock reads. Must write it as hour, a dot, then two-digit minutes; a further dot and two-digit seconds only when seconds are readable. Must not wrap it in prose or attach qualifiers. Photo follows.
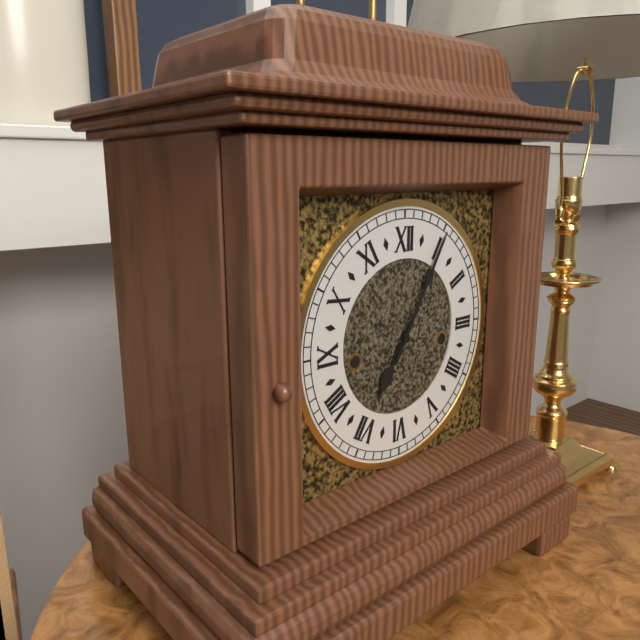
7.05
